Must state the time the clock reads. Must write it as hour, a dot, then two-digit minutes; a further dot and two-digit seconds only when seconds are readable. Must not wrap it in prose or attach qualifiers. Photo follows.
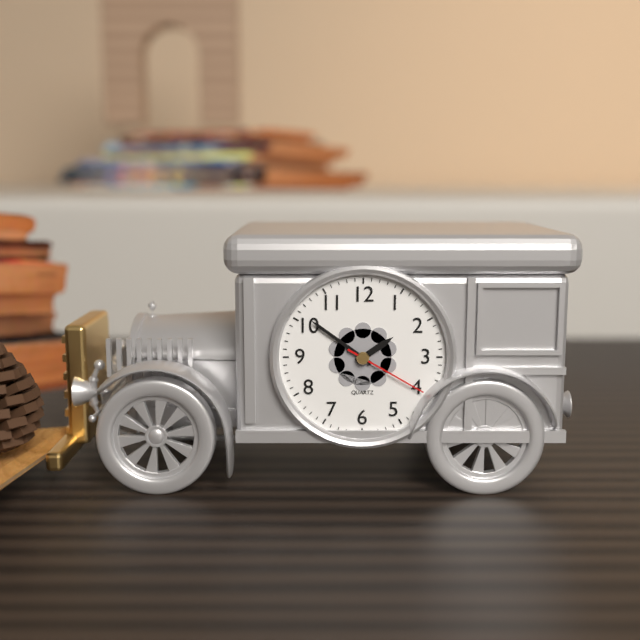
1.51.20
